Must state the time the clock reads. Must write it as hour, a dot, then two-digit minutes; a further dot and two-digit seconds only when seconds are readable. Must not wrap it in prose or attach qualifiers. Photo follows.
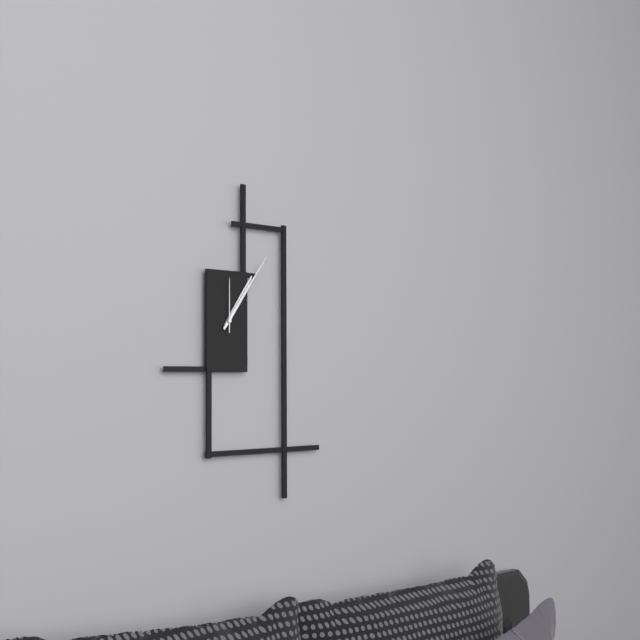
1.06.00
